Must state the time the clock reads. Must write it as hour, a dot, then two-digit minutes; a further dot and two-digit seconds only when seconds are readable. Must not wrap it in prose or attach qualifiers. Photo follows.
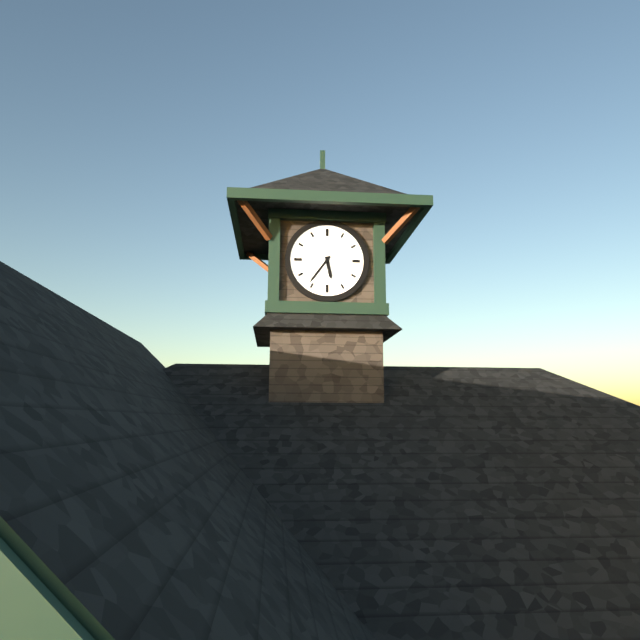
5.36
